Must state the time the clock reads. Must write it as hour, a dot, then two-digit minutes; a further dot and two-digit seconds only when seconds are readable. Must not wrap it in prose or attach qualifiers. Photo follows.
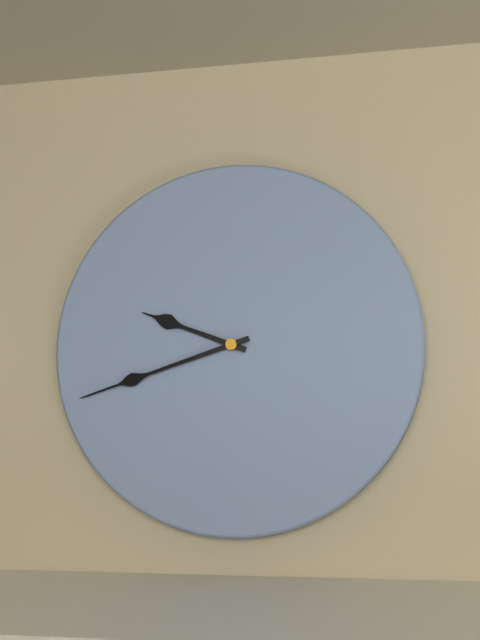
9.42
